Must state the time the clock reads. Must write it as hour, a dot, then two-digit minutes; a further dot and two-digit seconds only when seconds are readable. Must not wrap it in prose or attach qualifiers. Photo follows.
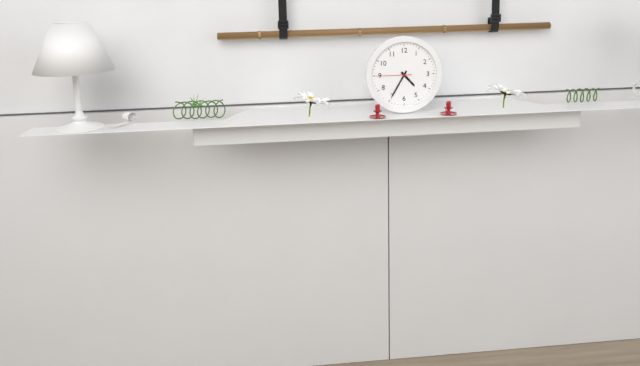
4.35
